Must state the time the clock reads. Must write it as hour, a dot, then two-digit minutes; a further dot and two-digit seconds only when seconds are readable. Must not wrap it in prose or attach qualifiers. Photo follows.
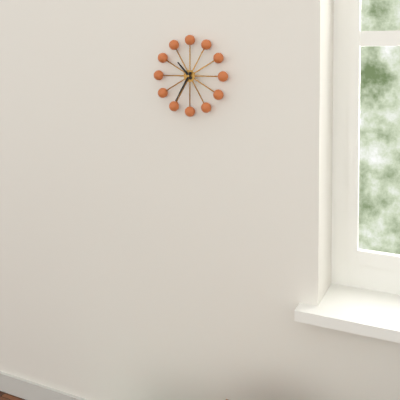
10.35
